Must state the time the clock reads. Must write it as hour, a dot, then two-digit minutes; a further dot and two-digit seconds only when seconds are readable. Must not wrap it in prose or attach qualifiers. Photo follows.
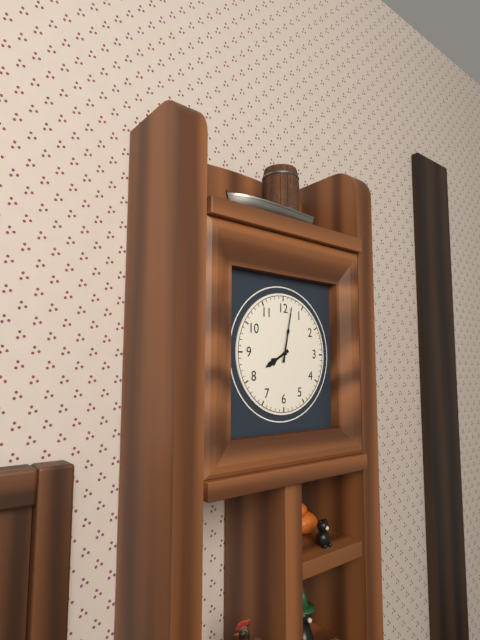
8.02
